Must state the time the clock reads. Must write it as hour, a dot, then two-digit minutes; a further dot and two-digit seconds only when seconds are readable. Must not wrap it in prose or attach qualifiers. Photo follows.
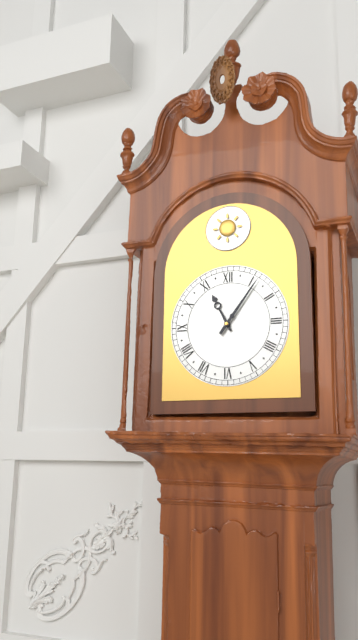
11.06
